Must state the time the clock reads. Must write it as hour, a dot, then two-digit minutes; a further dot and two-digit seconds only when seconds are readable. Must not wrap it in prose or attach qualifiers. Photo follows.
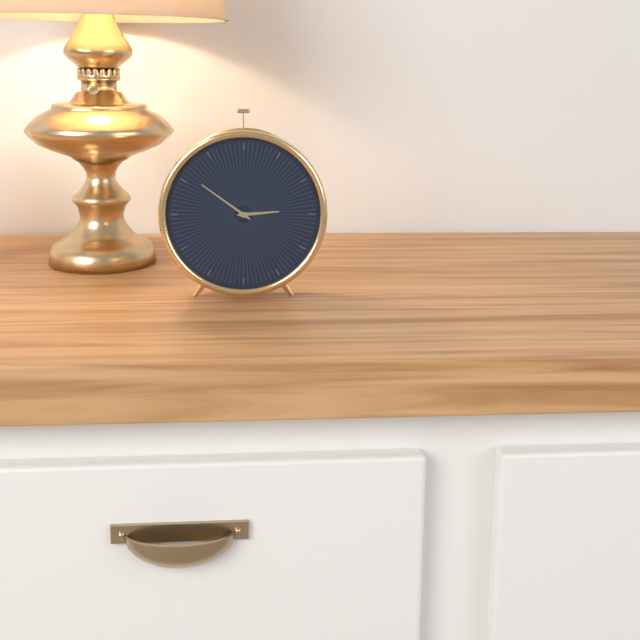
2.51
